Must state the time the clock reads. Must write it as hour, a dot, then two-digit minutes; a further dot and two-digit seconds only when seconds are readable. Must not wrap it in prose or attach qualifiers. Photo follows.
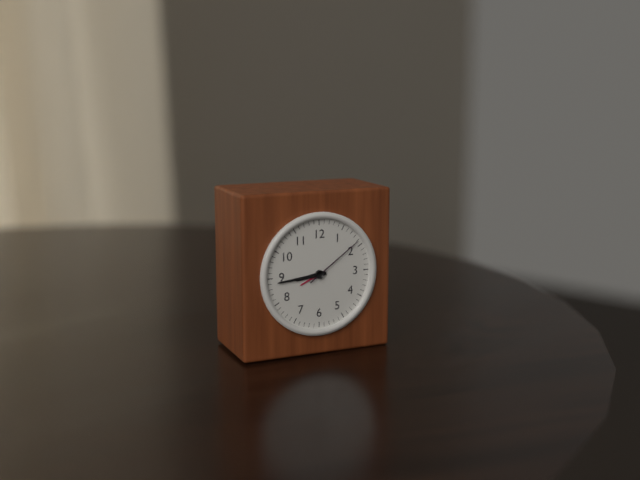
8.44.09
